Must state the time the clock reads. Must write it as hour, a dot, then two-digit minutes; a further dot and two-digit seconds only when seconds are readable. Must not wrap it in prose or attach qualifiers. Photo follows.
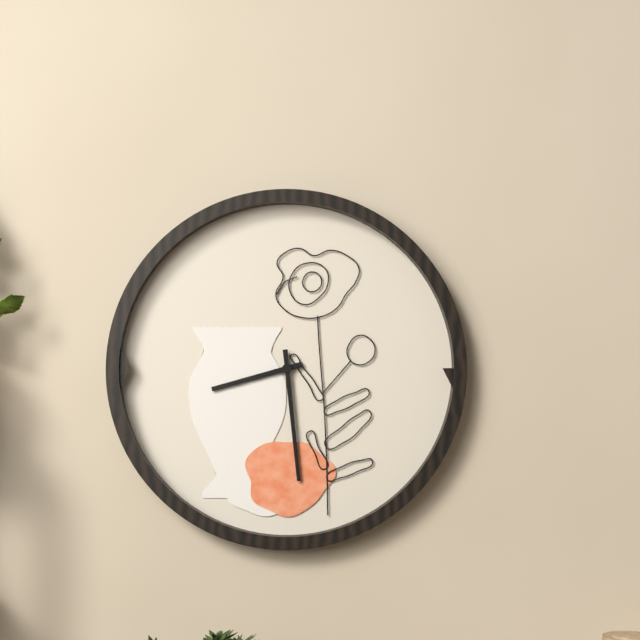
8.29
